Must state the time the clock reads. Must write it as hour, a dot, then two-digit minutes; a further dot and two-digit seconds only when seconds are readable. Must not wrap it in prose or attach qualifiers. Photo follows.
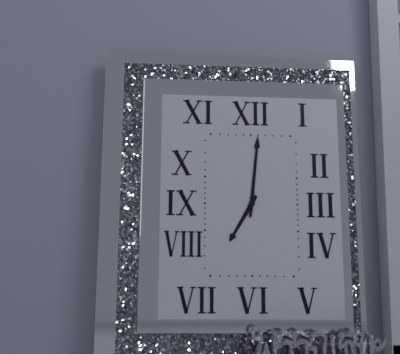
7.01
